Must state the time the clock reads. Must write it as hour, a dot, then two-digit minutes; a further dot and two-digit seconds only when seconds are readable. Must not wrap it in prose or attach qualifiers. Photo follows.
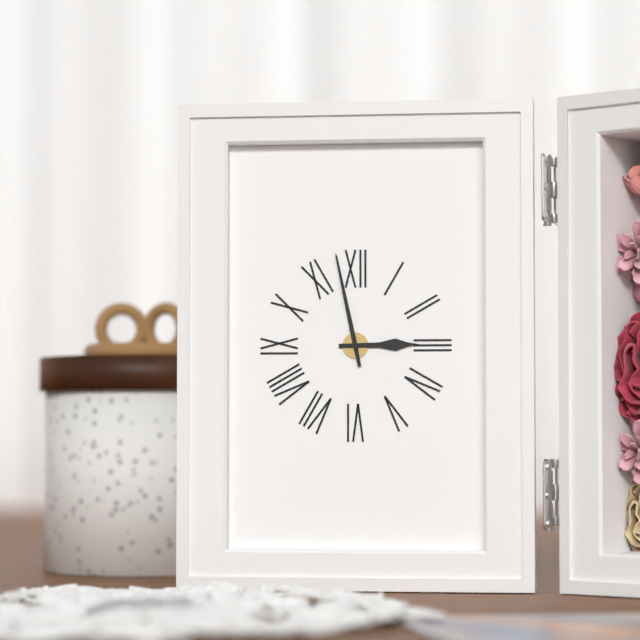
2.58
